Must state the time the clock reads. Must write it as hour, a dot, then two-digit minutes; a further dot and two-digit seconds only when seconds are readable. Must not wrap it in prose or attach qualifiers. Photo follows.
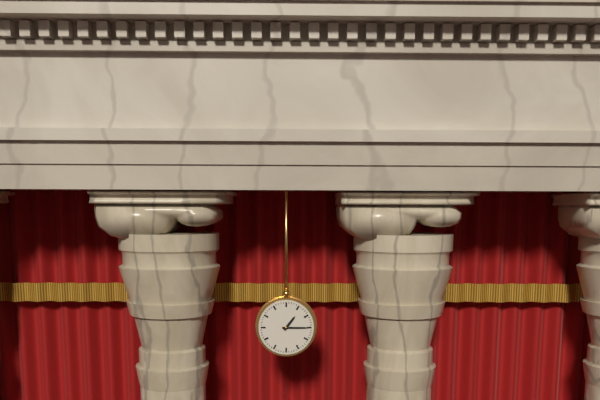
1.15
